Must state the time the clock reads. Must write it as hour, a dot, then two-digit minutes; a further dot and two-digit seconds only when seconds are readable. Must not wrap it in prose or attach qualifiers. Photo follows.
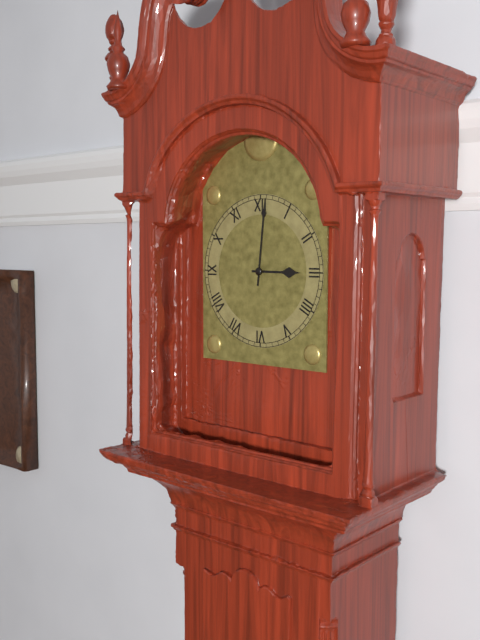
3.01
